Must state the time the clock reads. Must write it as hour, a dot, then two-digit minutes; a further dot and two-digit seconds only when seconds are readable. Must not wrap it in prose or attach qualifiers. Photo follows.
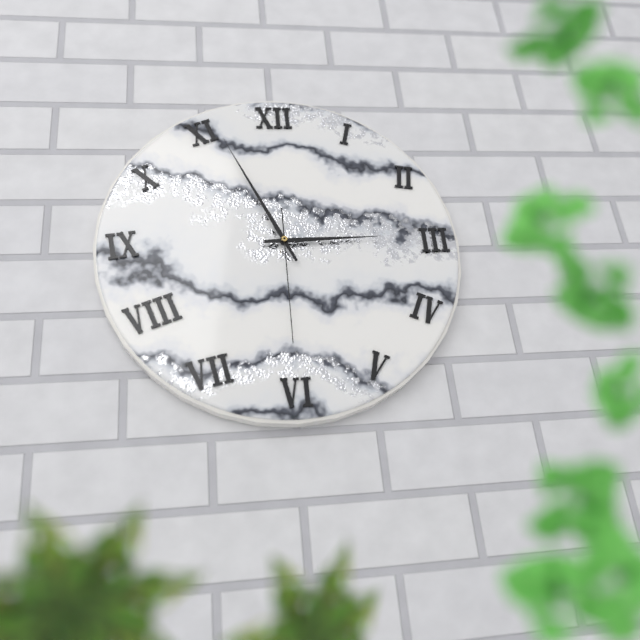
2.56.30
